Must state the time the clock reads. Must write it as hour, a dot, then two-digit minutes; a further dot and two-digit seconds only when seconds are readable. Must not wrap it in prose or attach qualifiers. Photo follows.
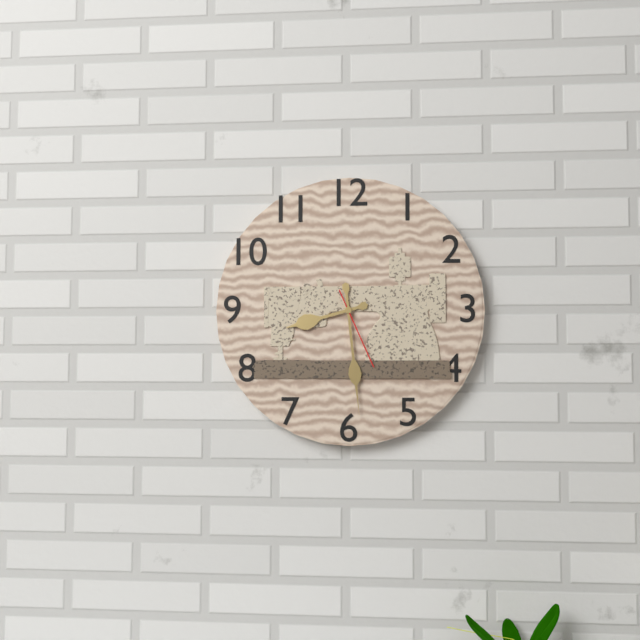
8.29.26
